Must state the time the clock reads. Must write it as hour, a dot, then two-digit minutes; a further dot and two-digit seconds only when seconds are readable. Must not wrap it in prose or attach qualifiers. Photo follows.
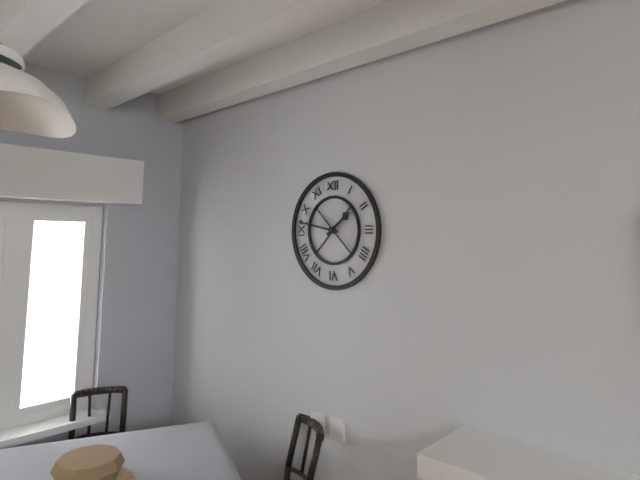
1.47
